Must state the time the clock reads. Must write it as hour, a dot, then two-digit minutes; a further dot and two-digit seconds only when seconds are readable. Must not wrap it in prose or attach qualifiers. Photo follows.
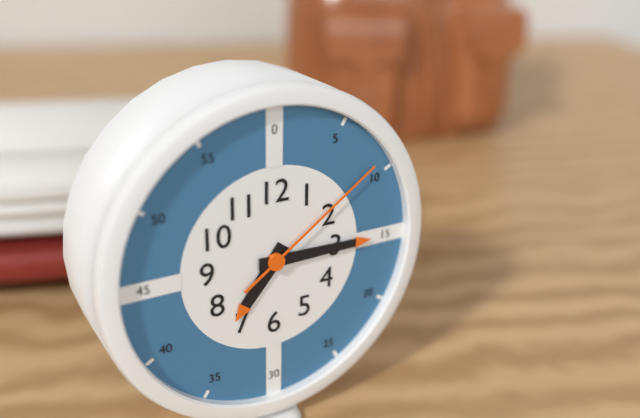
7.15.09
